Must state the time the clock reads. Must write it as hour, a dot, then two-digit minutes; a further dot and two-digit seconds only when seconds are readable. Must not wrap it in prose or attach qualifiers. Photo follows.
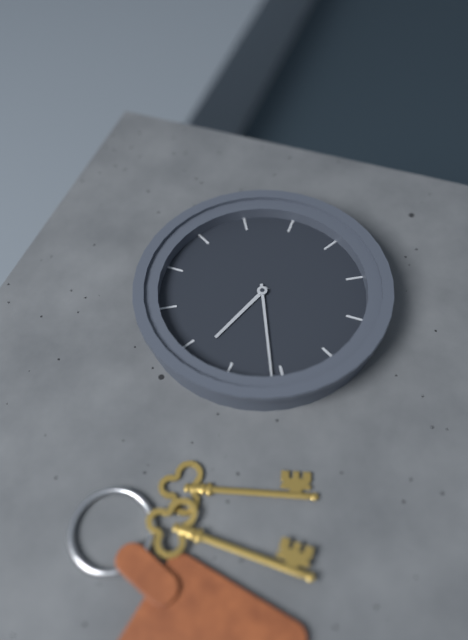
9.41
